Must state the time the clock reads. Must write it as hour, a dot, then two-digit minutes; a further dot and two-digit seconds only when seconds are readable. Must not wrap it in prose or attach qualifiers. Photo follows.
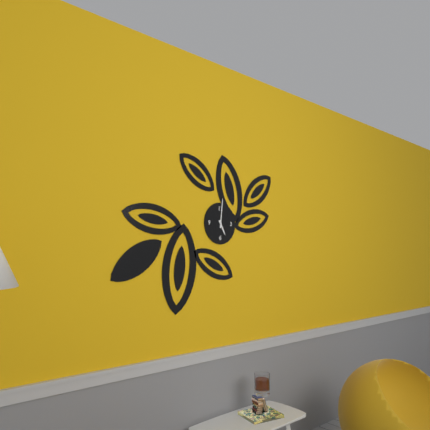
5.01
